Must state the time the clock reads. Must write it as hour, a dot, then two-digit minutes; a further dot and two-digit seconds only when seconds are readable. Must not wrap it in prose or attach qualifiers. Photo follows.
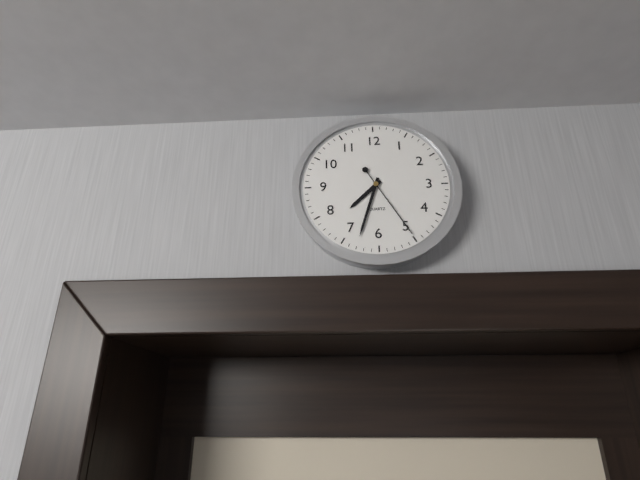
7.33.25
